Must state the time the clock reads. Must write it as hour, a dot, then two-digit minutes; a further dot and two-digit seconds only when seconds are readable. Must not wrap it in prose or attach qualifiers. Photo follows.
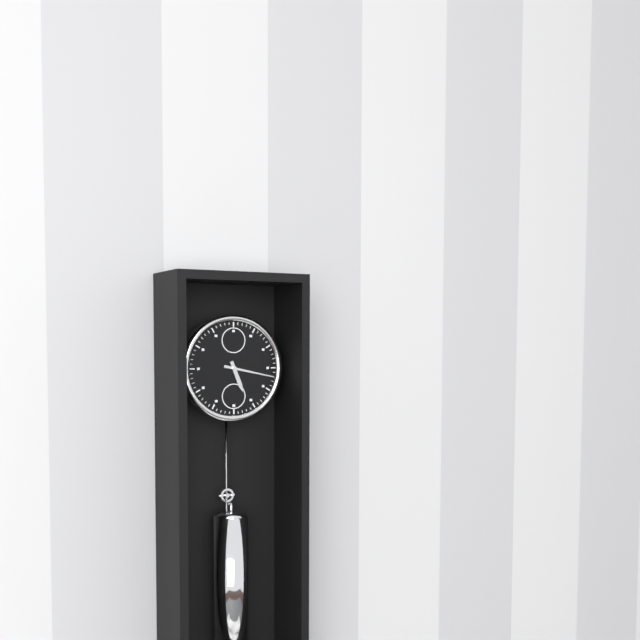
5.17
